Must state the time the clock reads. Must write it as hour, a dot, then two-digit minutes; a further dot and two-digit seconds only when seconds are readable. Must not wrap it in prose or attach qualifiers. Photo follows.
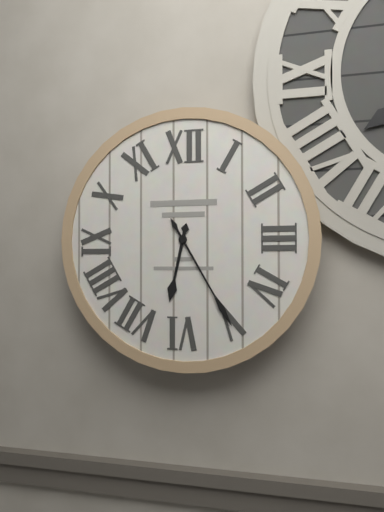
6.25
